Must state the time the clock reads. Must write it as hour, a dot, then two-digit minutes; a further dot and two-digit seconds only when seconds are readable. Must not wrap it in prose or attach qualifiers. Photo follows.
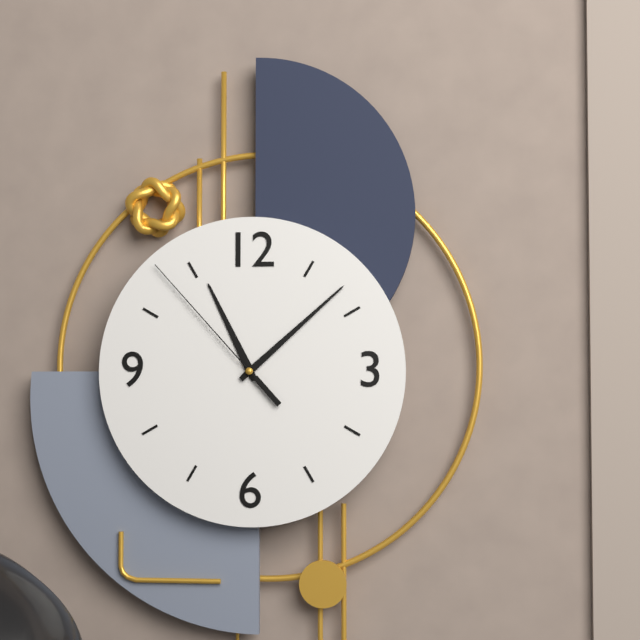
11.08.53
